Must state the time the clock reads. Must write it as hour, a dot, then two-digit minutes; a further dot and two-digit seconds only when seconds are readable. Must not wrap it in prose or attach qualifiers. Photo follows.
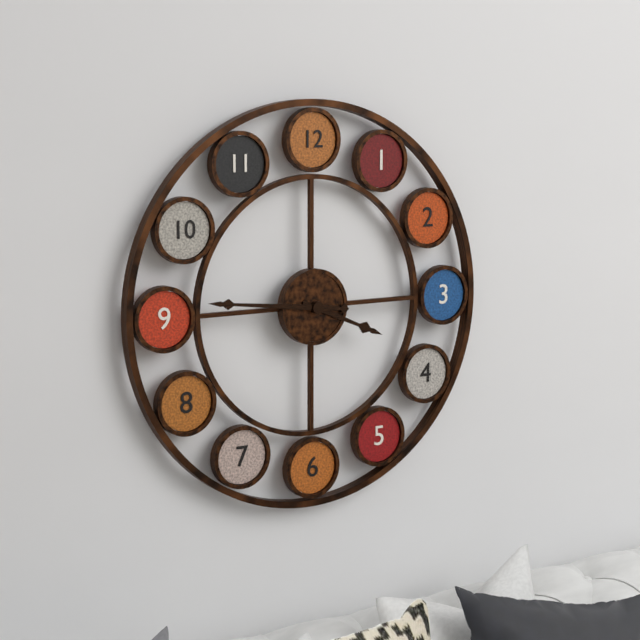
3.46
